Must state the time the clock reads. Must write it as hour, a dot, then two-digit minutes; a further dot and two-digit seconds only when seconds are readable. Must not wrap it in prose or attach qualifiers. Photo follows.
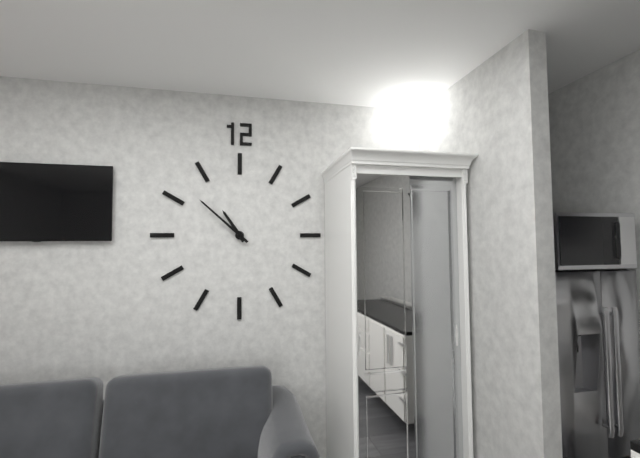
10.52
